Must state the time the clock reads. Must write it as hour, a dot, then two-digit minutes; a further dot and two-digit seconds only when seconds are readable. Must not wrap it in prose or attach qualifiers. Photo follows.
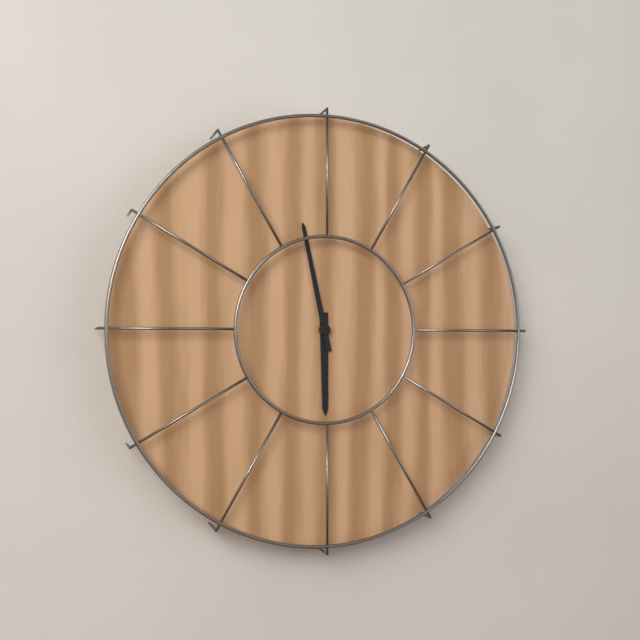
5.58
